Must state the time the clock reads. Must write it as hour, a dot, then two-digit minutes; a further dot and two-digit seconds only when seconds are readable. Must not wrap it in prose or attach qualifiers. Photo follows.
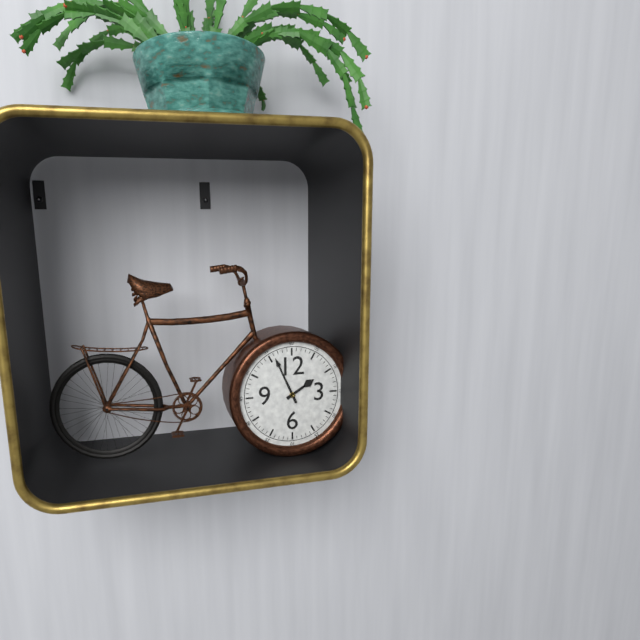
1.56
